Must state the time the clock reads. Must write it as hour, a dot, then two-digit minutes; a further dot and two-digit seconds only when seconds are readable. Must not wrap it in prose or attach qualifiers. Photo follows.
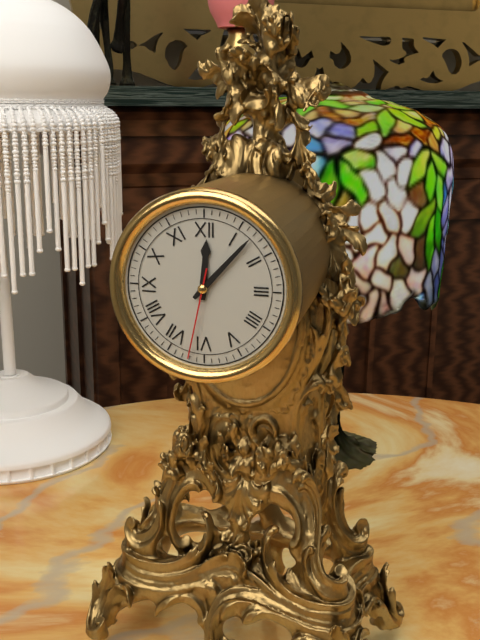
12.07.32
